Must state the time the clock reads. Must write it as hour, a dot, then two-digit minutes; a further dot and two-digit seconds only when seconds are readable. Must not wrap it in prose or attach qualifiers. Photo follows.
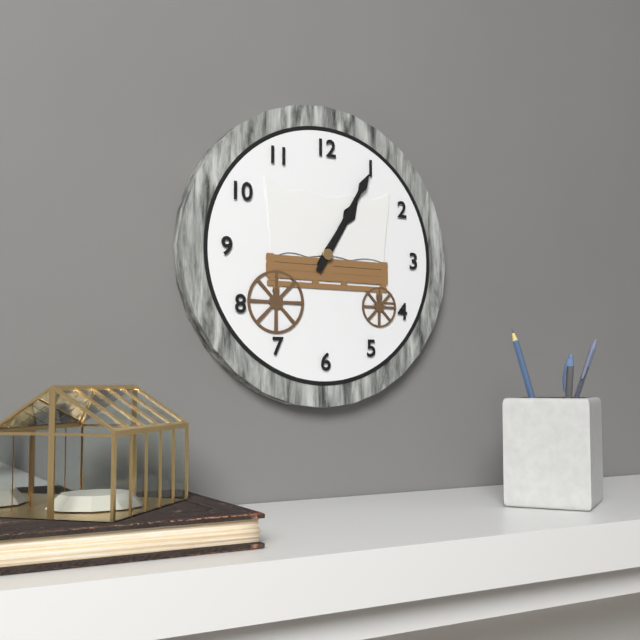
1.05
